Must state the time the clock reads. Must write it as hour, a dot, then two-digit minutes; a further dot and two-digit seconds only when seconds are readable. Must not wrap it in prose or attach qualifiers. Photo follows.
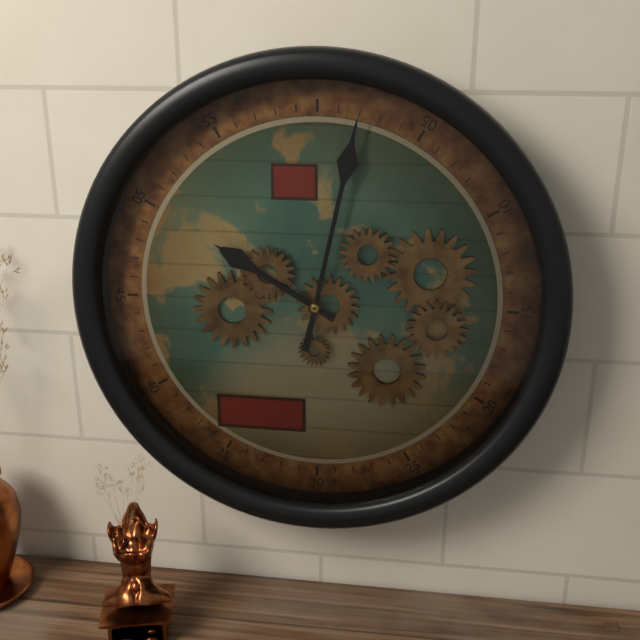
10.02
